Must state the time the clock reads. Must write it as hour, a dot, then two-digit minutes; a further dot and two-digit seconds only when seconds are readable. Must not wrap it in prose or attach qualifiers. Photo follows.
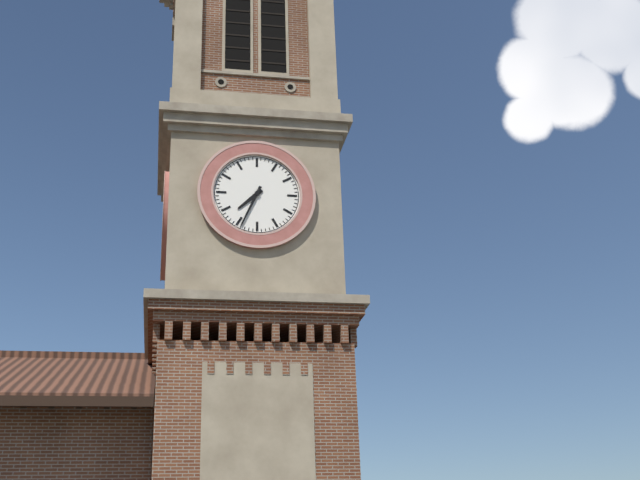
7.34
